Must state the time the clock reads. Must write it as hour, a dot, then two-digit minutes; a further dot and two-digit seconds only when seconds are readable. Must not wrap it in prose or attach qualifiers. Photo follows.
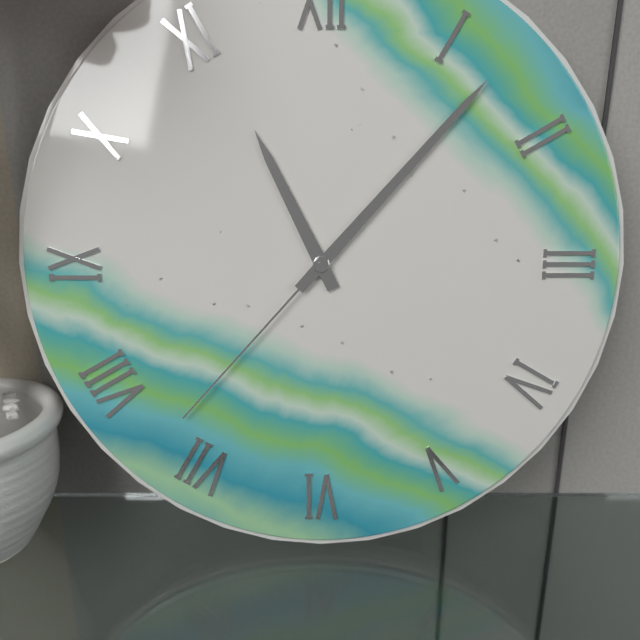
11.07.37
